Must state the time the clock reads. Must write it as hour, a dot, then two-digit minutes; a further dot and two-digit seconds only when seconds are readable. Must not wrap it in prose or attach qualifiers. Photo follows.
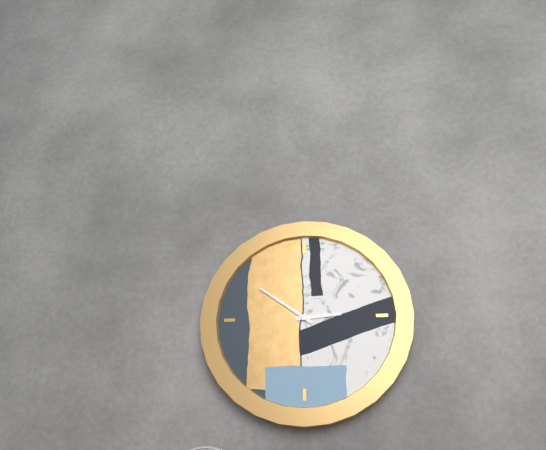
2.51
